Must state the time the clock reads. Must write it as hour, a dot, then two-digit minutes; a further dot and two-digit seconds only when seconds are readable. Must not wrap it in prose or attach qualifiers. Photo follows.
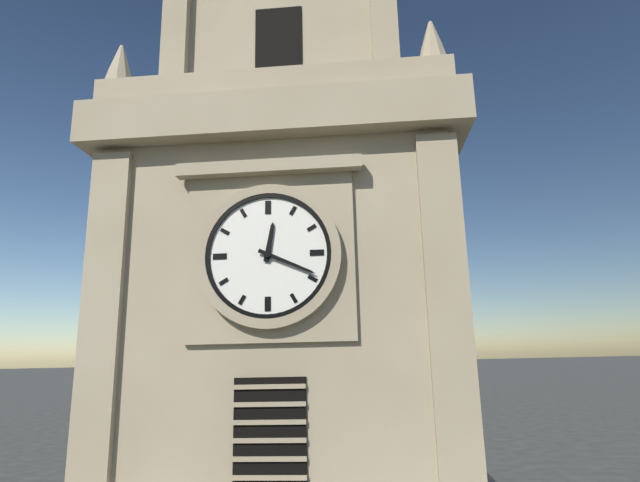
12.19
